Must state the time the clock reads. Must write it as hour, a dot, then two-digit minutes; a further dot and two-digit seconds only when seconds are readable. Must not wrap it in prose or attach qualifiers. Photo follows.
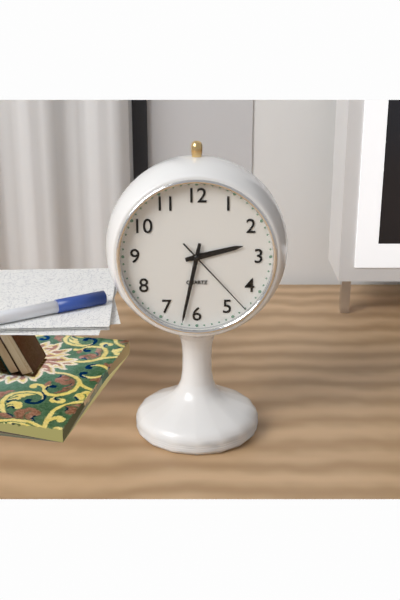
2.32.23
